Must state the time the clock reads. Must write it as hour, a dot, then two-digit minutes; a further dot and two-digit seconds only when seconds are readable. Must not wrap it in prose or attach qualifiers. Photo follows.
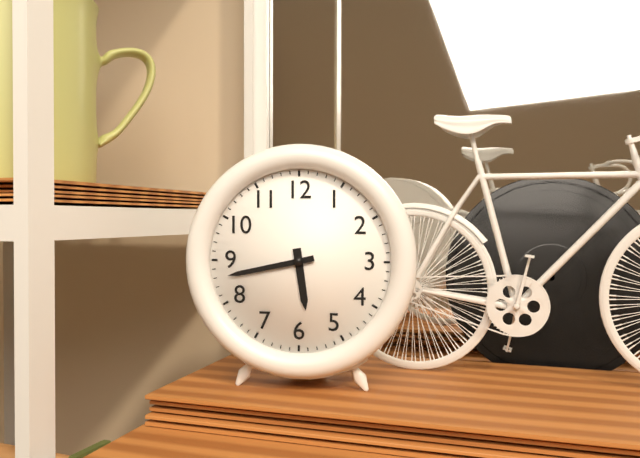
5.43
